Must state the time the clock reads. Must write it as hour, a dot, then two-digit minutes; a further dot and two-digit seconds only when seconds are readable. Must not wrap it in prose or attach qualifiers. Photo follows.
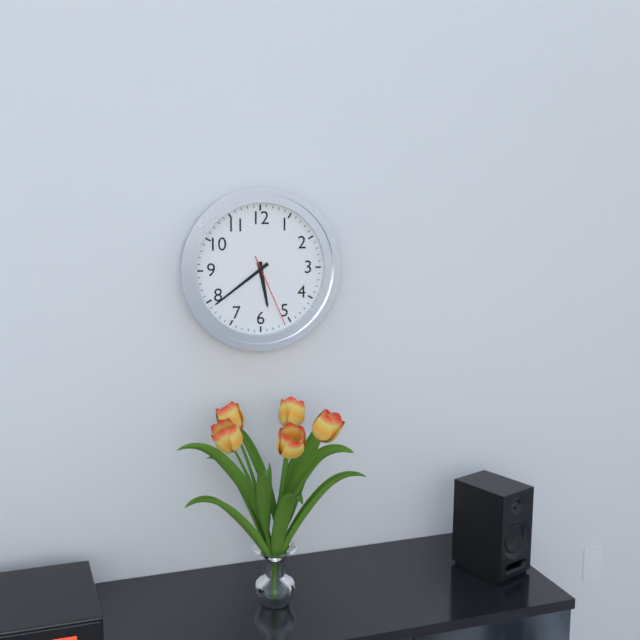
5.39.26
